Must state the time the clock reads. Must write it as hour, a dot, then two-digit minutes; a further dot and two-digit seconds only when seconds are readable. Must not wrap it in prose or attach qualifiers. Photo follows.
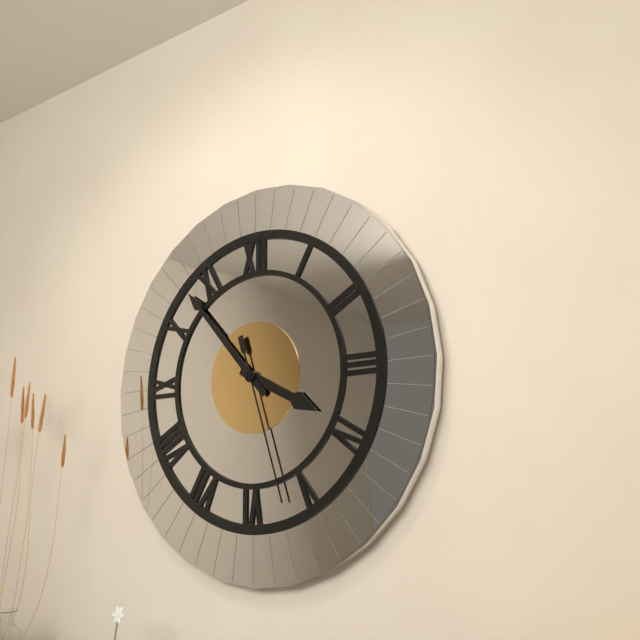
3.53.27
